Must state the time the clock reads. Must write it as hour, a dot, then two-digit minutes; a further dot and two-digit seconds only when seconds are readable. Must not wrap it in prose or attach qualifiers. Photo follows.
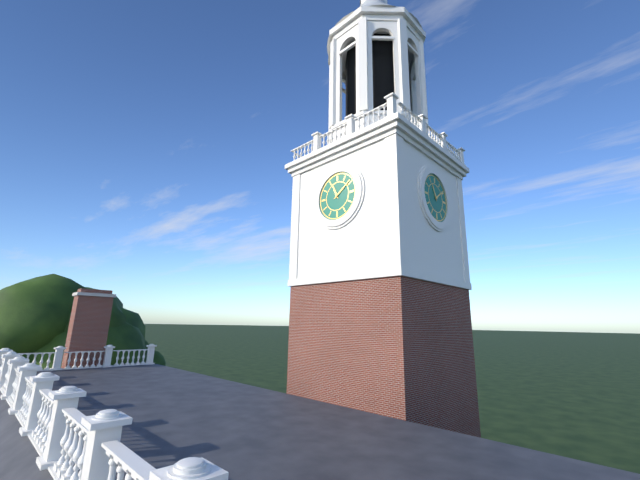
11.09
